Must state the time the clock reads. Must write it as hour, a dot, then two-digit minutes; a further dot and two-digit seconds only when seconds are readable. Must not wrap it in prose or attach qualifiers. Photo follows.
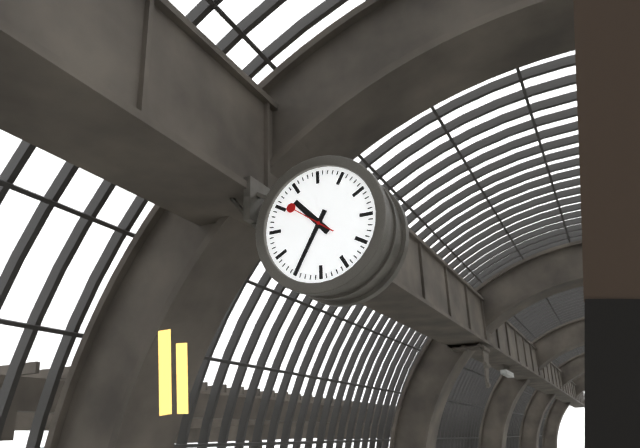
10.35
